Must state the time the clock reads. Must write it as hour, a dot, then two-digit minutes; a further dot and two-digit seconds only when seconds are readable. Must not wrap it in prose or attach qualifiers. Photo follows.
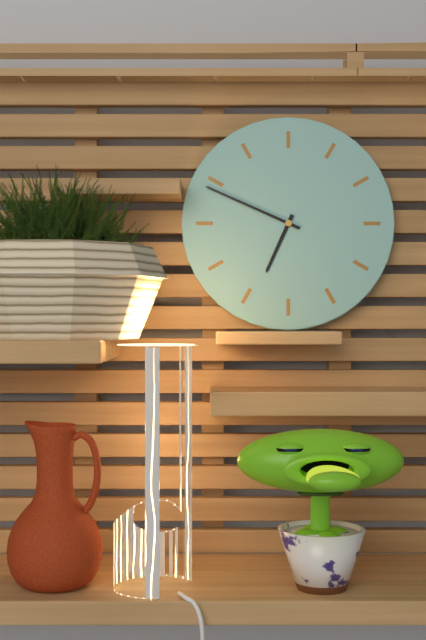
6.49
